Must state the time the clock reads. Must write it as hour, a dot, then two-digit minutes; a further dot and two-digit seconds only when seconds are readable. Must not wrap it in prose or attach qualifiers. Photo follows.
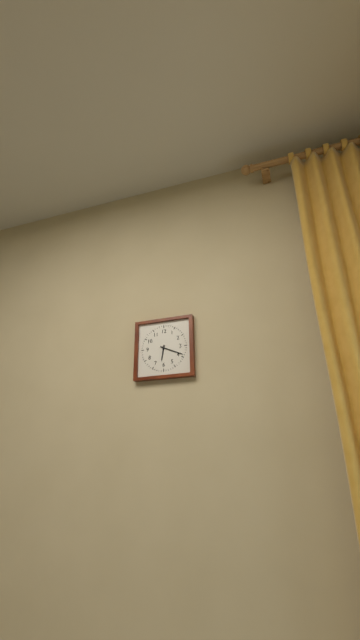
6.19
